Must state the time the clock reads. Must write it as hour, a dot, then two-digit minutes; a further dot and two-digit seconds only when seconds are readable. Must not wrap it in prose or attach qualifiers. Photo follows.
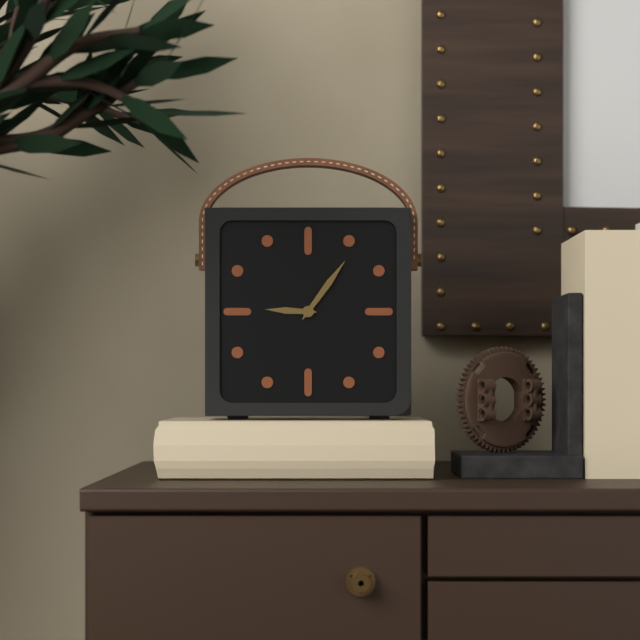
9.06
